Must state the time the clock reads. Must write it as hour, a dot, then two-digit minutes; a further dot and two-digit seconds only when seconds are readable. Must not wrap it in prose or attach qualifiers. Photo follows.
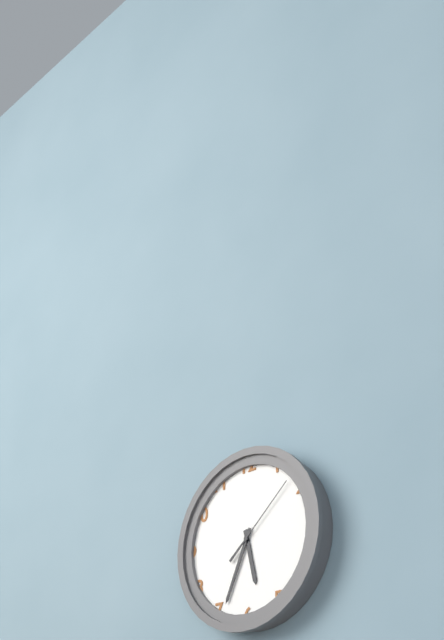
5.34.08
